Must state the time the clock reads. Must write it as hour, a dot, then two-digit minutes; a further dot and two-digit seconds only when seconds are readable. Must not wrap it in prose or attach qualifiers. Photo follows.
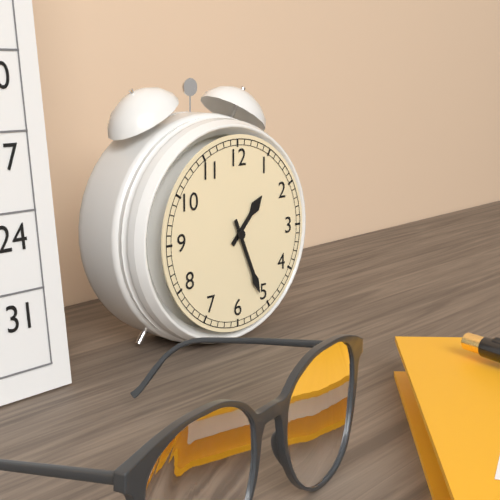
1.26
